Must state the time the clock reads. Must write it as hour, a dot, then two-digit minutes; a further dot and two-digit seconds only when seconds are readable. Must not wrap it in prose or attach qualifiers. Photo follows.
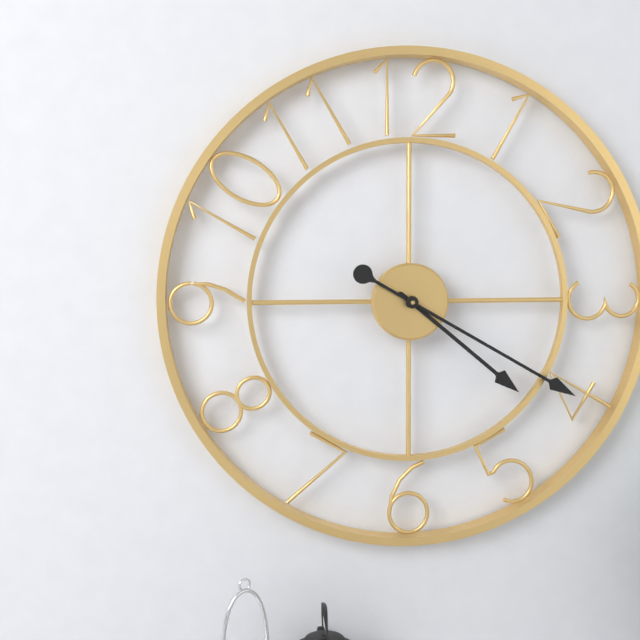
4.20
